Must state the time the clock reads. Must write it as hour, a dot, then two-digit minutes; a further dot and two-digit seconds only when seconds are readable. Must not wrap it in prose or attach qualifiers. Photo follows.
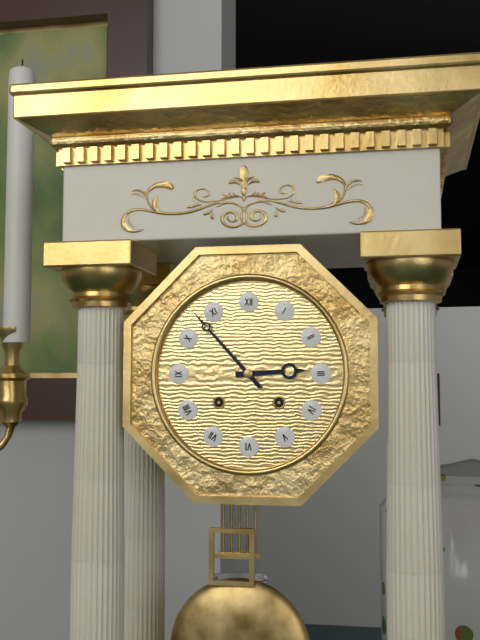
2.53
